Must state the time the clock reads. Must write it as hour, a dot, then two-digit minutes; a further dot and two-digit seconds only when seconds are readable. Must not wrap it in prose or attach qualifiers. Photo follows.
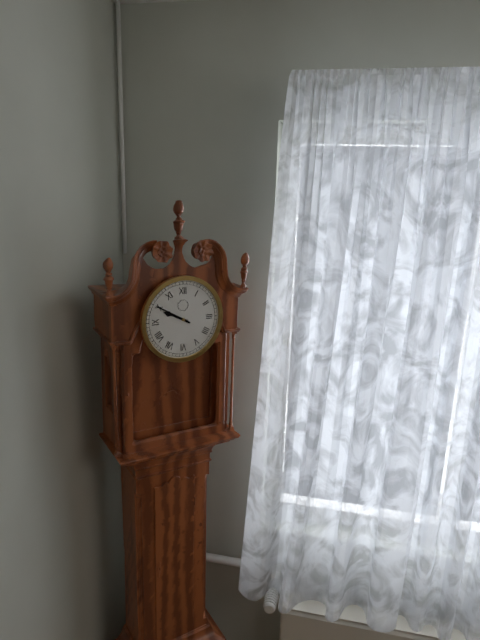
9.50
